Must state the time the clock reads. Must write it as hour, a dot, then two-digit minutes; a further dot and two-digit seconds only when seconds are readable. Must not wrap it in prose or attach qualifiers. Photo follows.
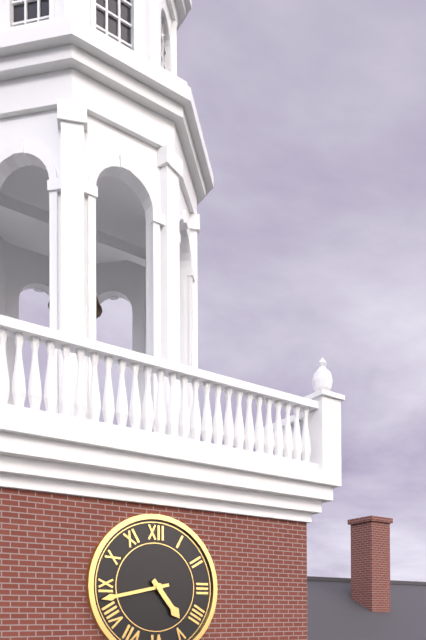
4.43
